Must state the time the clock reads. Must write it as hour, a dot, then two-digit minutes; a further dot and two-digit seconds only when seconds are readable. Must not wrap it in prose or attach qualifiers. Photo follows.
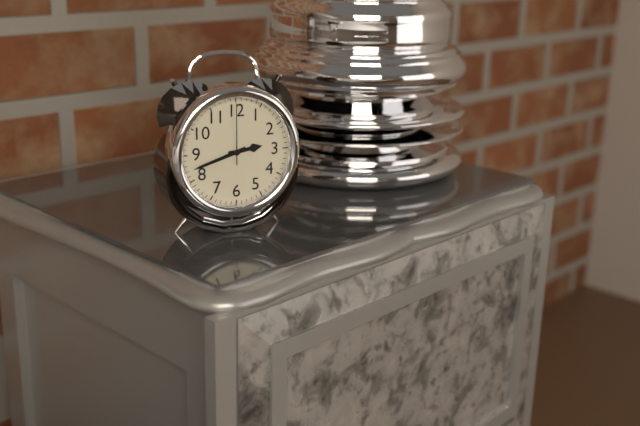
2.42.00
